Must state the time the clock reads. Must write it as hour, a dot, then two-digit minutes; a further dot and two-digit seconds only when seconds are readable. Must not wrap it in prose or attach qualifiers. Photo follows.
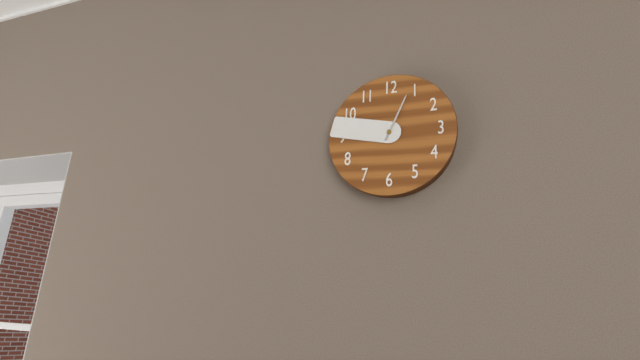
12.47
